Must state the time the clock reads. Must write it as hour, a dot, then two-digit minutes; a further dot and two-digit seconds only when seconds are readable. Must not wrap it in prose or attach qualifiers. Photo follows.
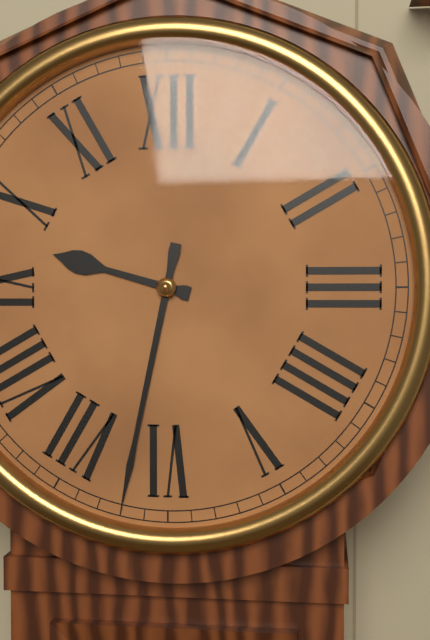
9.32
